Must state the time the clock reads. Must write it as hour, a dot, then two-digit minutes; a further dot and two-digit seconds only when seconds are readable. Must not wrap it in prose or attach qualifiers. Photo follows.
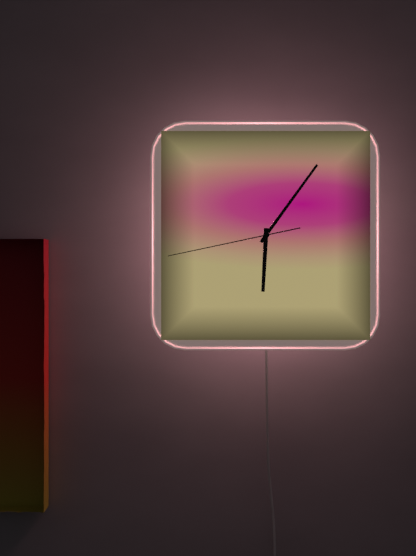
6.06.43
